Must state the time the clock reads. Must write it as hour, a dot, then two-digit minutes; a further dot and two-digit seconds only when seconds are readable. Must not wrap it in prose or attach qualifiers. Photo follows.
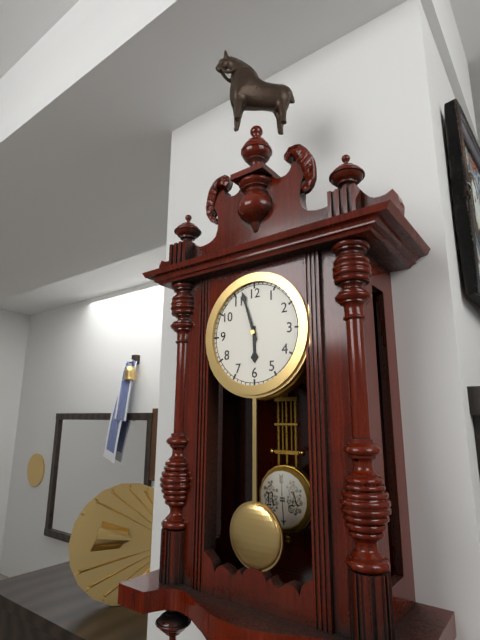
5.57
